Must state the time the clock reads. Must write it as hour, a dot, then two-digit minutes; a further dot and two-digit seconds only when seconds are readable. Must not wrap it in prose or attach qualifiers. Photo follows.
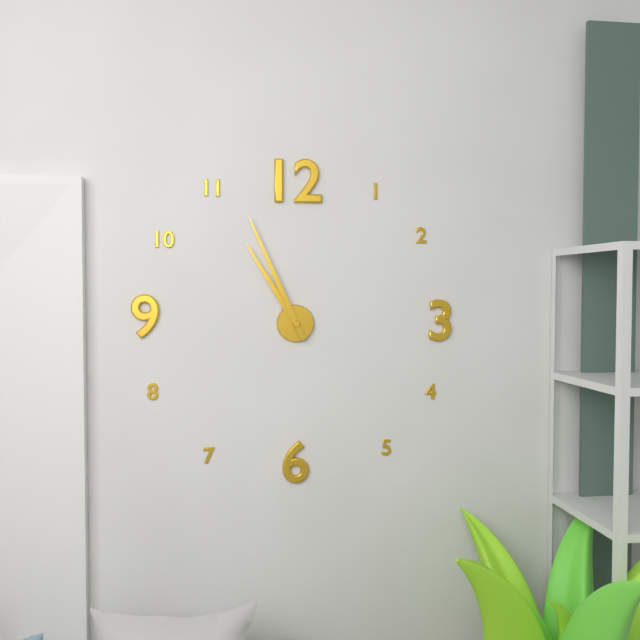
10.56
